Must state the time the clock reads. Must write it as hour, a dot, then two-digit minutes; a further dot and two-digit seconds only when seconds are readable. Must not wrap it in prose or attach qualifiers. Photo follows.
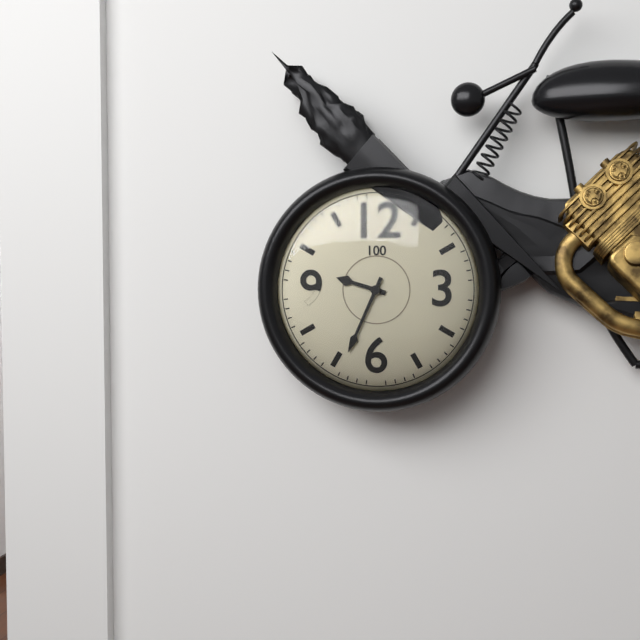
9.34
